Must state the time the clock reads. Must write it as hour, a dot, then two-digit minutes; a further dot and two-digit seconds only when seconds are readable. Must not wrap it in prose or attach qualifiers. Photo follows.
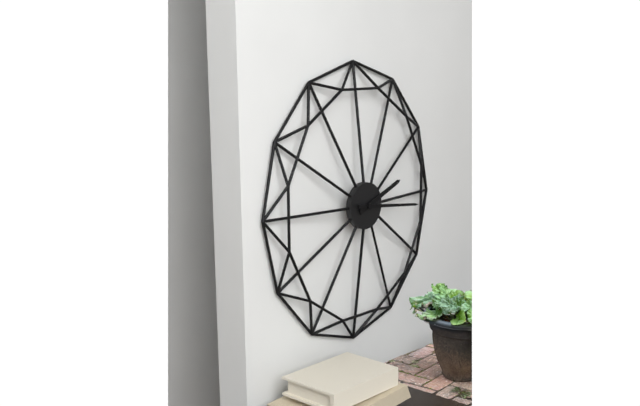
2.16
